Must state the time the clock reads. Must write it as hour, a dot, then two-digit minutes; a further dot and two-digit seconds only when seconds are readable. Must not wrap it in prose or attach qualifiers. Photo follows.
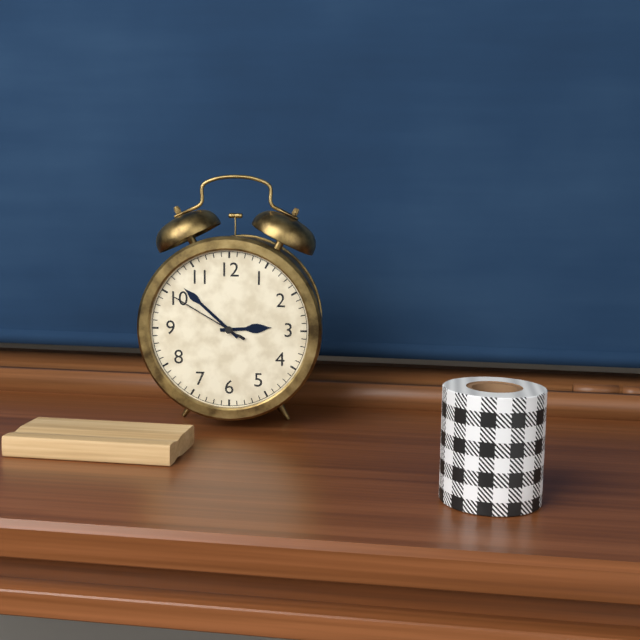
2.52.50
